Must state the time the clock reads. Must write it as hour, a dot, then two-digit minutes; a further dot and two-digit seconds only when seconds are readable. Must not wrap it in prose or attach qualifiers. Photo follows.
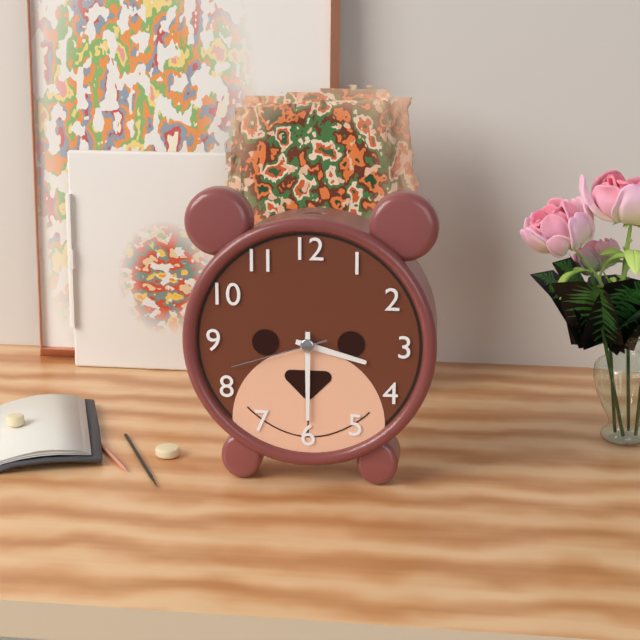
3.30.42
